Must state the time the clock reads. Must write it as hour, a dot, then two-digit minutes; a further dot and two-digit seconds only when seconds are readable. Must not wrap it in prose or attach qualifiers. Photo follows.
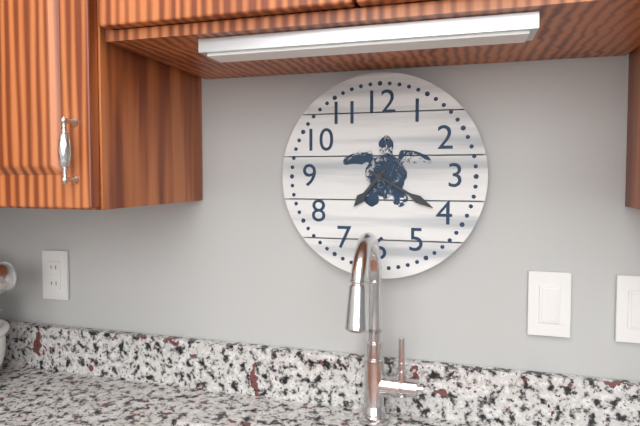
7.20
